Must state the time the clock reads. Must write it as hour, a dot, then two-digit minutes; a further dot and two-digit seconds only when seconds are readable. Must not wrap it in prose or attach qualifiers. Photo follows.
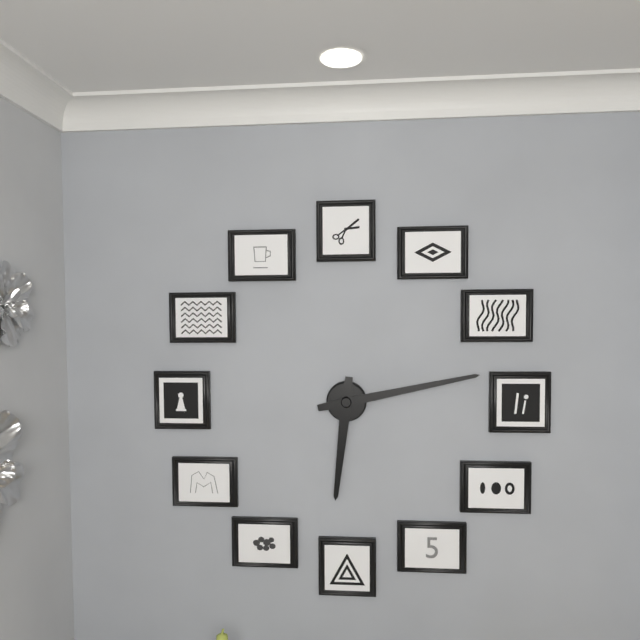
6.13
